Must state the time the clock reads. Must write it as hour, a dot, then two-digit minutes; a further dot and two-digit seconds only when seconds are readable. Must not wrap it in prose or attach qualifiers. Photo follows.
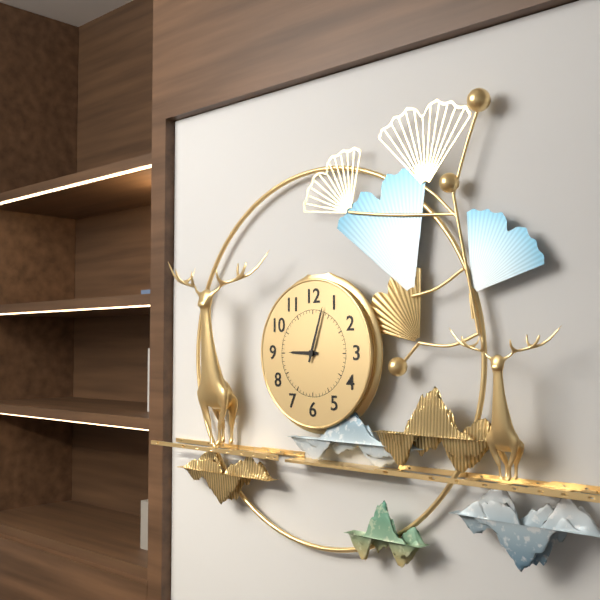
9.03
